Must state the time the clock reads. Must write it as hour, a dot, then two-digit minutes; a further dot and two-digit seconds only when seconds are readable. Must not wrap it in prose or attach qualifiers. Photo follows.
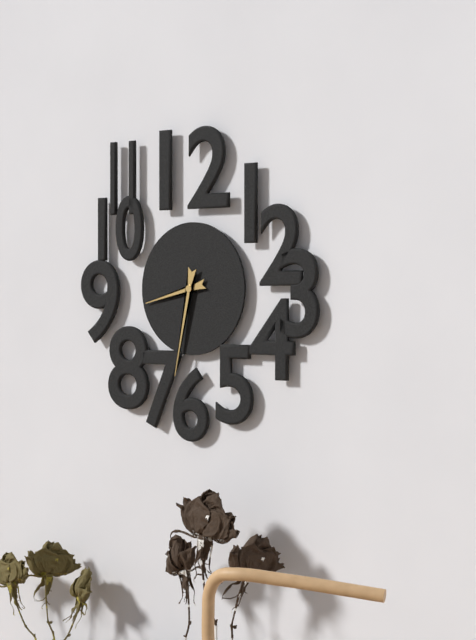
8.32
